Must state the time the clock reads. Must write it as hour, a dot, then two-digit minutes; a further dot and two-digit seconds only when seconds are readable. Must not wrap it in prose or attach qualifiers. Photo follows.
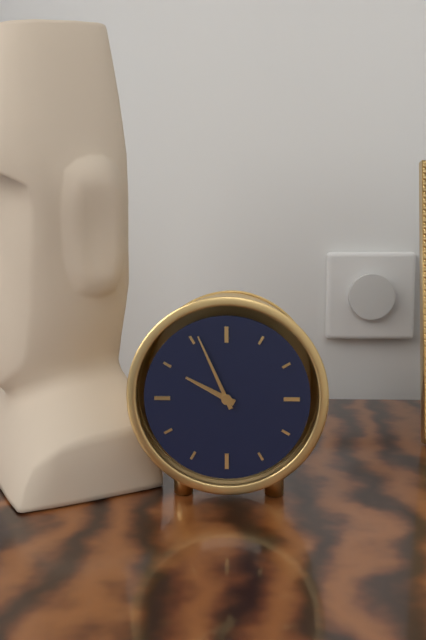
9.56
